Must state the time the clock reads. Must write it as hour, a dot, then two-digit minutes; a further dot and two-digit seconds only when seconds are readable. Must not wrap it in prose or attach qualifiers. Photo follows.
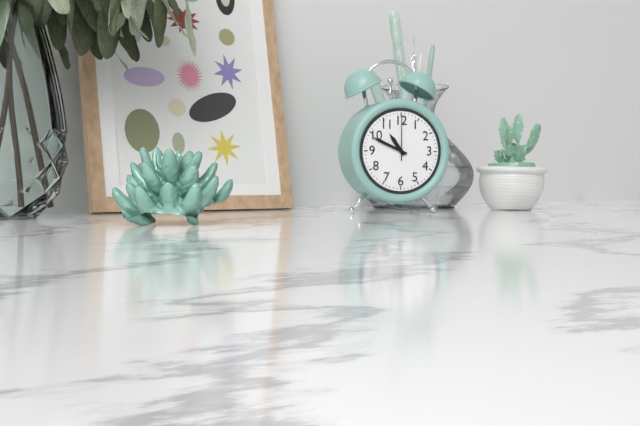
10.49
